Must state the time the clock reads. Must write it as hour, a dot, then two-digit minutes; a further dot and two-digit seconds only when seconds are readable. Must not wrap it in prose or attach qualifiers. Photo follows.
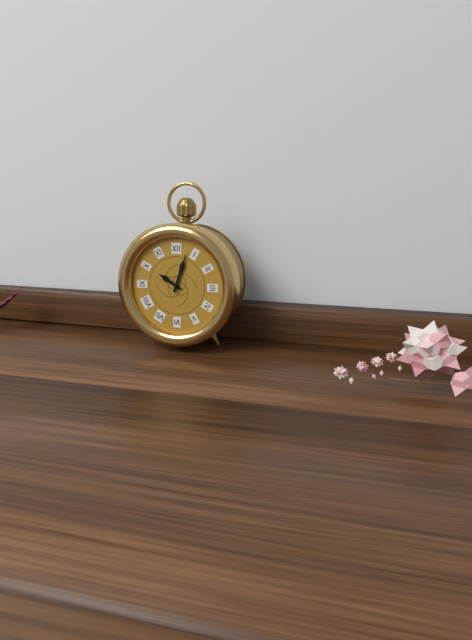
10.03
